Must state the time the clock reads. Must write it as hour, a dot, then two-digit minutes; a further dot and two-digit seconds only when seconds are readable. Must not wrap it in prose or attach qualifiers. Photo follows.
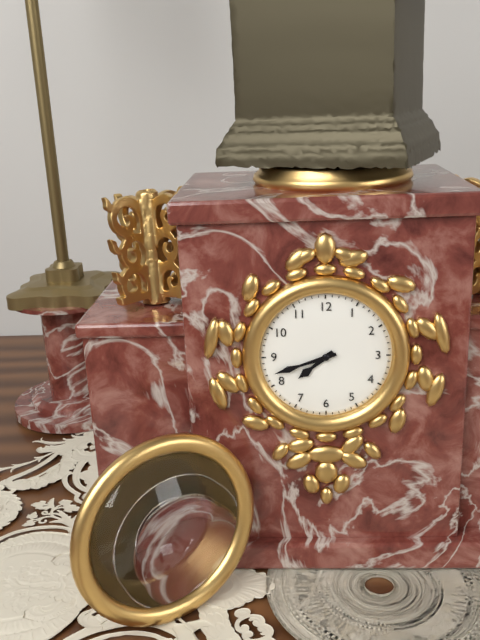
7.42
